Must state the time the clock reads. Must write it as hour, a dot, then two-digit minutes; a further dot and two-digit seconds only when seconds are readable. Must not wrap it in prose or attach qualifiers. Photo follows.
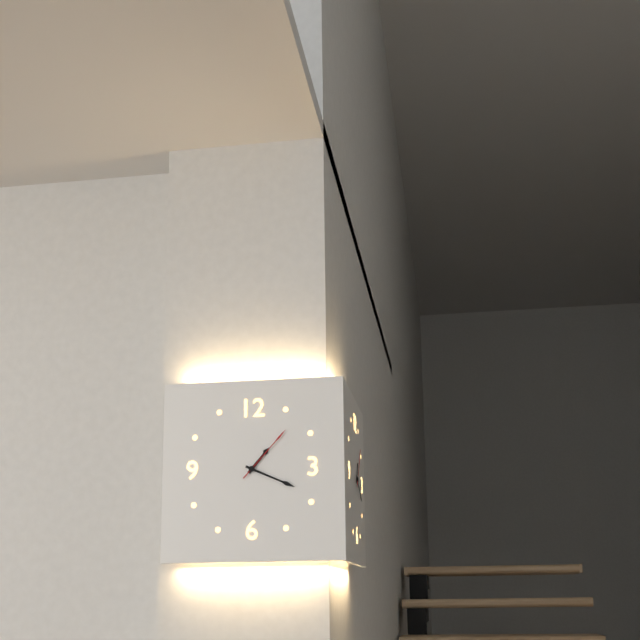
1.19.07
